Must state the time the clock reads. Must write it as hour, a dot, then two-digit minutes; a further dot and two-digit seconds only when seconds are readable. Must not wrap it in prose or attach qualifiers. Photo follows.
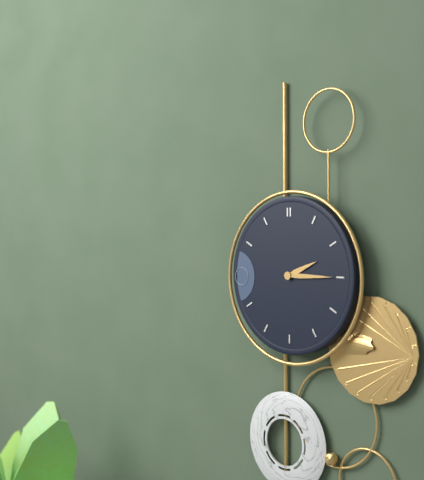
2.15
